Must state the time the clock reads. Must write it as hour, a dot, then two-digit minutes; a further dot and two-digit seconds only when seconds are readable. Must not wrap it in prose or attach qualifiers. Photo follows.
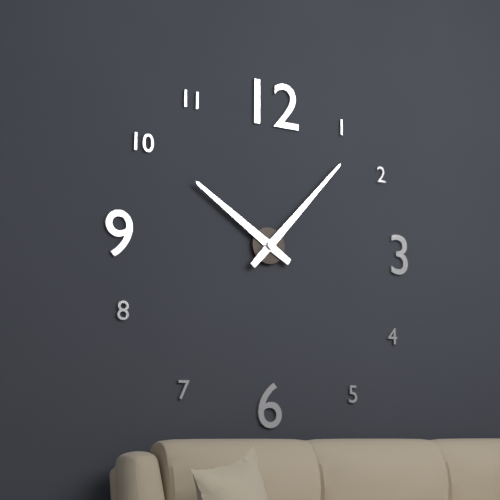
10.07
